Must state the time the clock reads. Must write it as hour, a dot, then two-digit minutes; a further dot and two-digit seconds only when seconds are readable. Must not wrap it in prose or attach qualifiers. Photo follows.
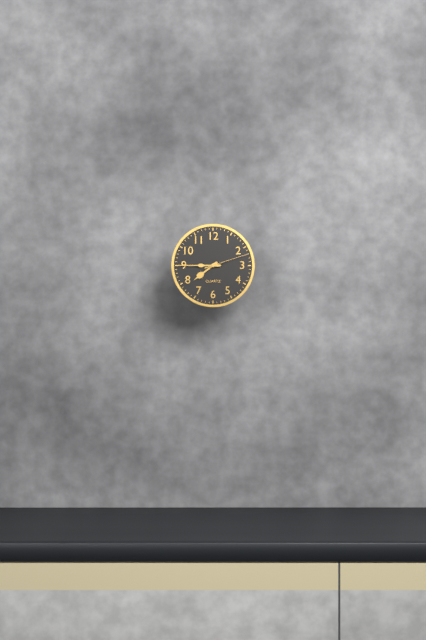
7.45
